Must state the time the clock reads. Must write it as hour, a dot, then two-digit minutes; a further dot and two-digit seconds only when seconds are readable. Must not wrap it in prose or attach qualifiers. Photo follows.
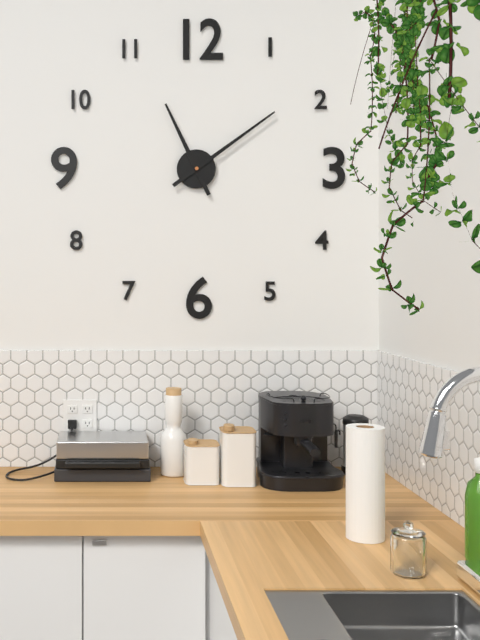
11.09
